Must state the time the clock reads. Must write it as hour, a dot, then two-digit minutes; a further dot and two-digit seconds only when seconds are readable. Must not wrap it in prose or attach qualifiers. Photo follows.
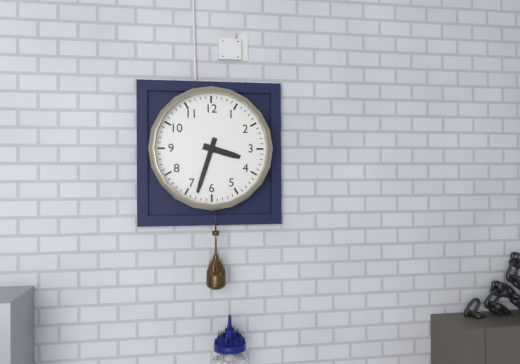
3.33
